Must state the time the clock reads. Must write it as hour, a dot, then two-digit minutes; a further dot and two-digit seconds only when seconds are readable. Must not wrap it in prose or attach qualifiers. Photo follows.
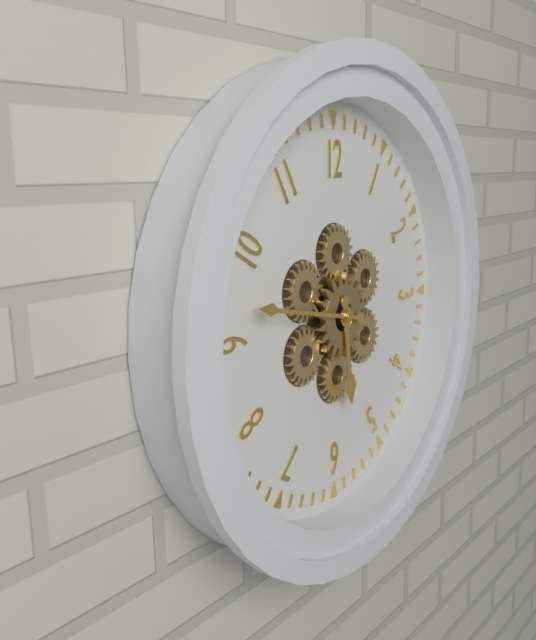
5.47
